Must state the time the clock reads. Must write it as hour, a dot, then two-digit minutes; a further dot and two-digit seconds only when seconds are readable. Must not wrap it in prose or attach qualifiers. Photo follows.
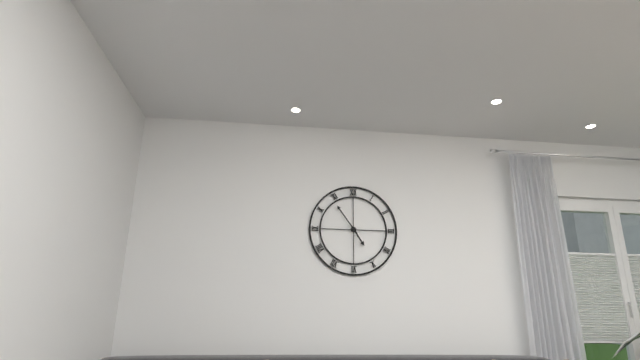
4.54
